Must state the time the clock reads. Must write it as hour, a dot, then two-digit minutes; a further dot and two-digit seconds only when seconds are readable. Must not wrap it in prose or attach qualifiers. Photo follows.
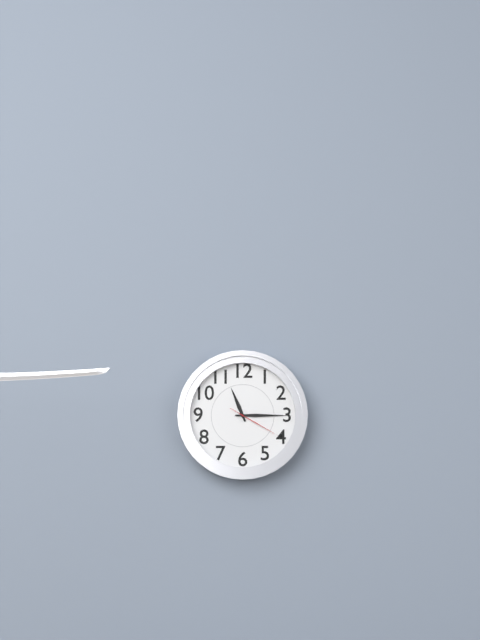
11.15.20
